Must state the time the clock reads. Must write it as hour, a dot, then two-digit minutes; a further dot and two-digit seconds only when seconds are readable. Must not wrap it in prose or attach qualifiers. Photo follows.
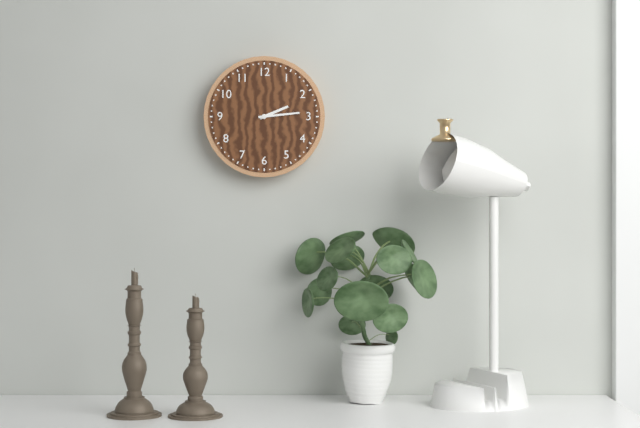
2.14
